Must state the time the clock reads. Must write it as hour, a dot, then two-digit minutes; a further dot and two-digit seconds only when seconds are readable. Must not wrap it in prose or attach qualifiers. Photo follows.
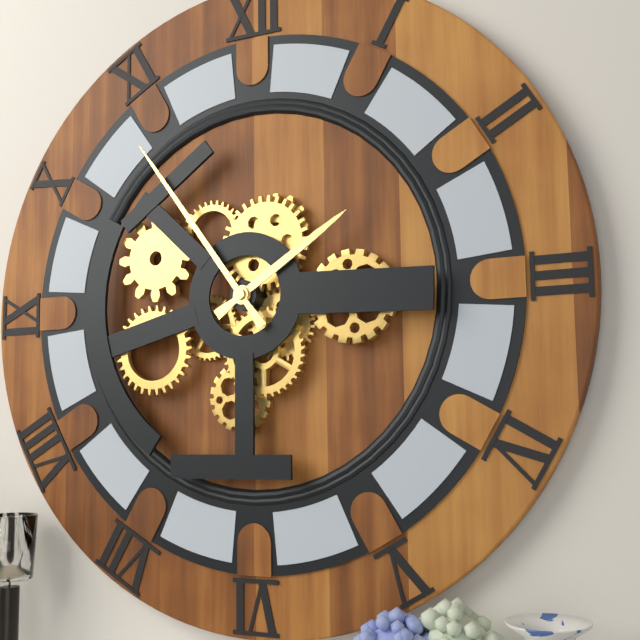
1.54
